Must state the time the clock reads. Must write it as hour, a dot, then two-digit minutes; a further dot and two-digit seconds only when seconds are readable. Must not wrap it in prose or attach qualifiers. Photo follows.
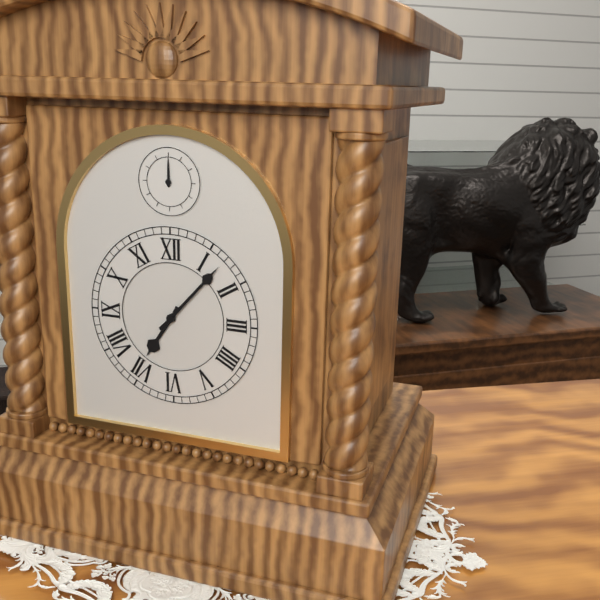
7.07
